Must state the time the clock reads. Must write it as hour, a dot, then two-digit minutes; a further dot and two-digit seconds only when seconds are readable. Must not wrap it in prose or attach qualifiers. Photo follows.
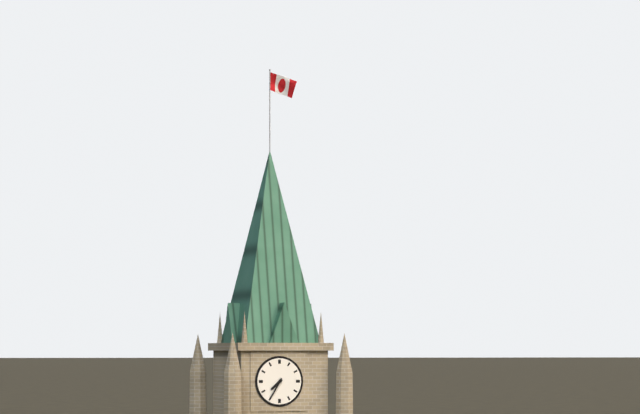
7.35
